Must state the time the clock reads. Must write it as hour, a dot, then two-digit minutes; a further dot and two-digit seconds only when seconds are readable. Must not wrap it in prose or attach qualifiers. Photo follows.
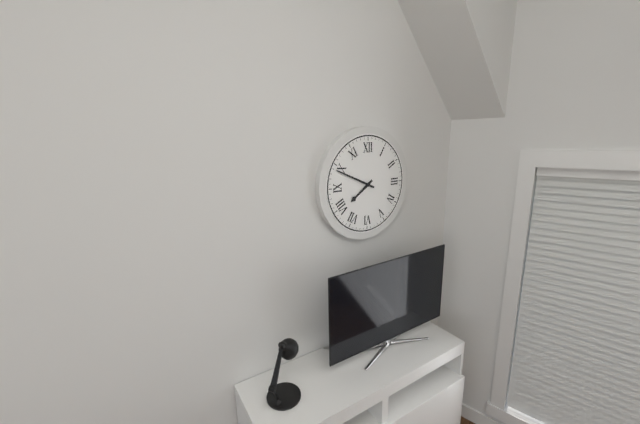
7.49
